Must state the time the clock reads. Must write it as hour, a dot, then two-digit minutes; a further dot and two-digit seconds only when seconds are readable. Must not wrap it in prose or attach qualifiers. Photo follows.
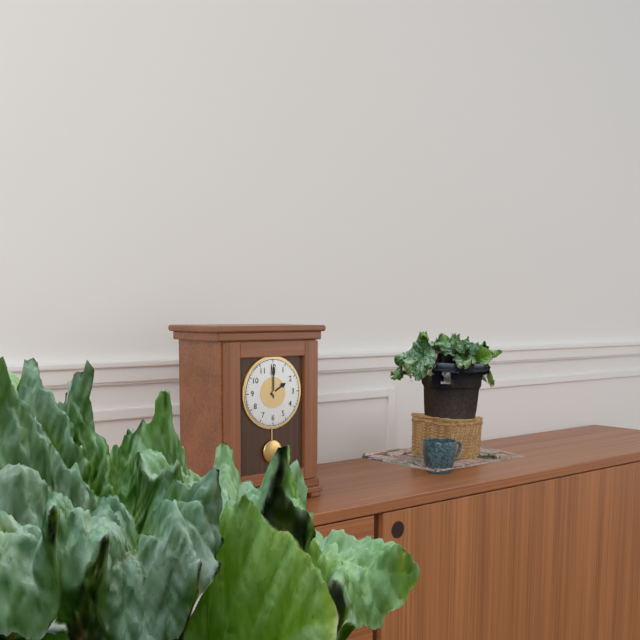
2.00
